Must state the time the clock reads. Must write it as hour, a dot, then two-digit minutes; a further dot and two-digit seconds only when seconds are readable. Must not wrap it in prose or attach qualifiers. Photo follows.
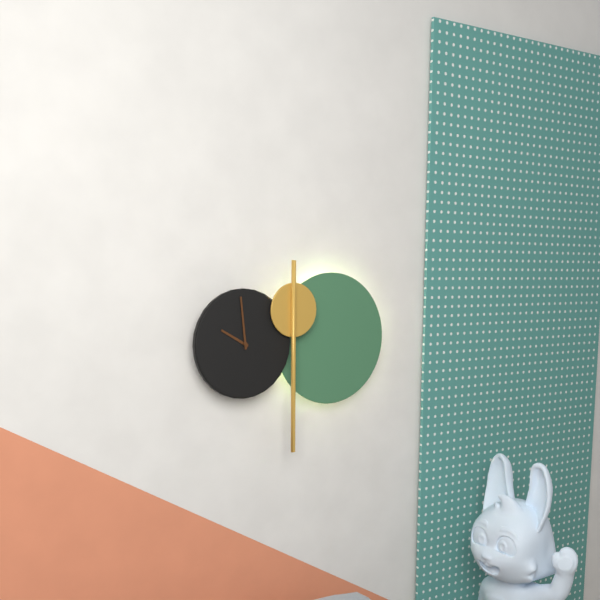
9.59
